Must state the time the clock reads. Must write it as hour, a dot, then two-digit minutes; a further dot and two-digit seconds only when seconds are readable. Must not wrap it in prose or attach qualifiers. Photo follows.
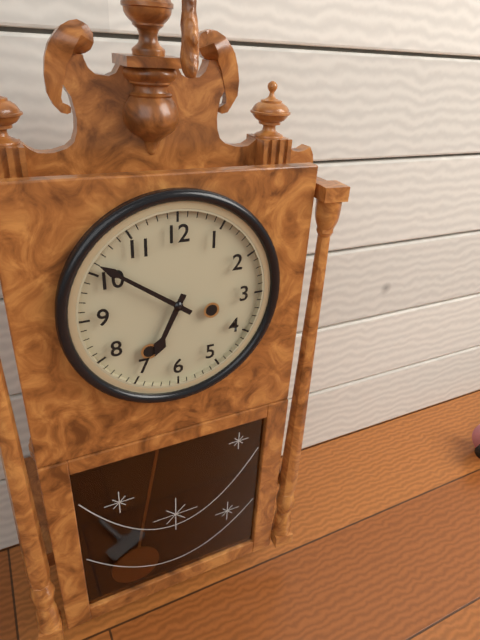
6.51
